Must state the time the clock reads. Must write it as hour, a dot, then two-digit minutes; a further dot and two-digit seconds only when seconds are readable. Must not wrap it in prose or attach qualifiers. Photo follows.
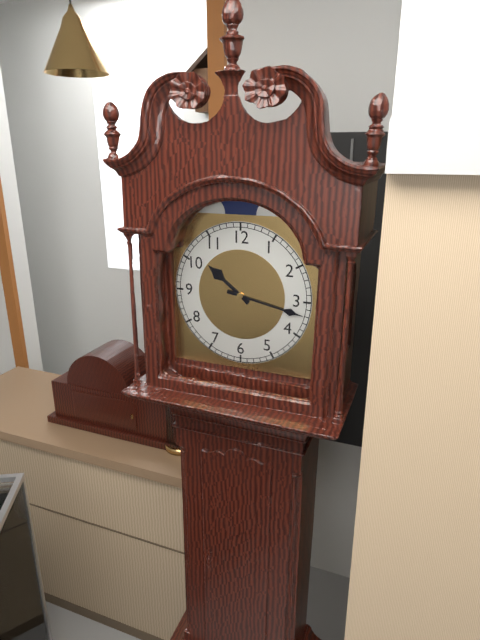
10.17
